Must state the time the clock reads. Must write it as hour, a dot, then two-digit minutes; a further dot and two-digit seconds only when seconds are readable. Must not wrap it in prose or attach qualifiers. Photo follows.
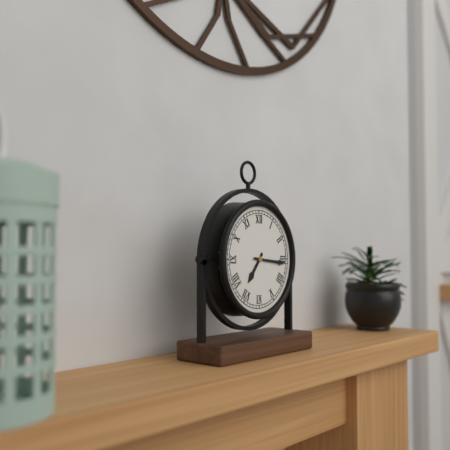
7.16
